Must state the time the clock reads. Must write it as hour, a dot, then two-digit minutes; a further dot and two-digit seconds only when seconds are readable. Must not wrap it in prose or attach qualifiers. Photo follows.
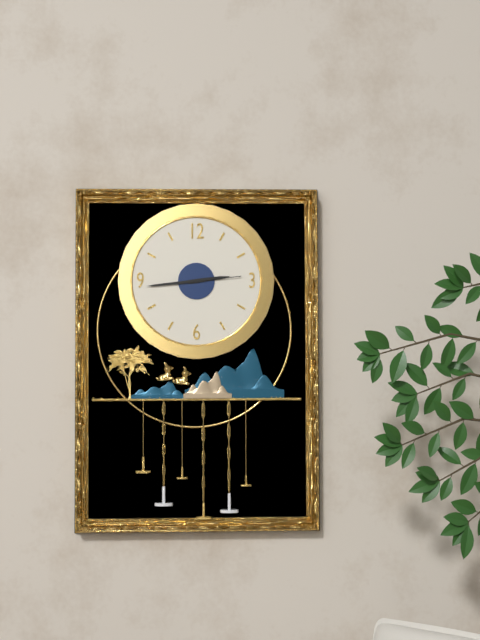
2.44.14
